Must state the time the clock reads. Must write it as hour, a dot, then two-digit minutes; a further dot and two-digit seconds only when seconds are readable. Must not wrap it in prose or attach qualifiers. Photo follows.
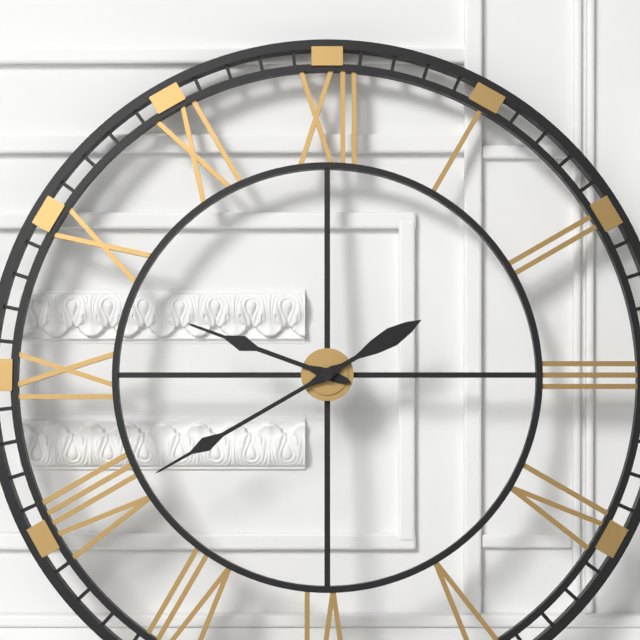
9.40
